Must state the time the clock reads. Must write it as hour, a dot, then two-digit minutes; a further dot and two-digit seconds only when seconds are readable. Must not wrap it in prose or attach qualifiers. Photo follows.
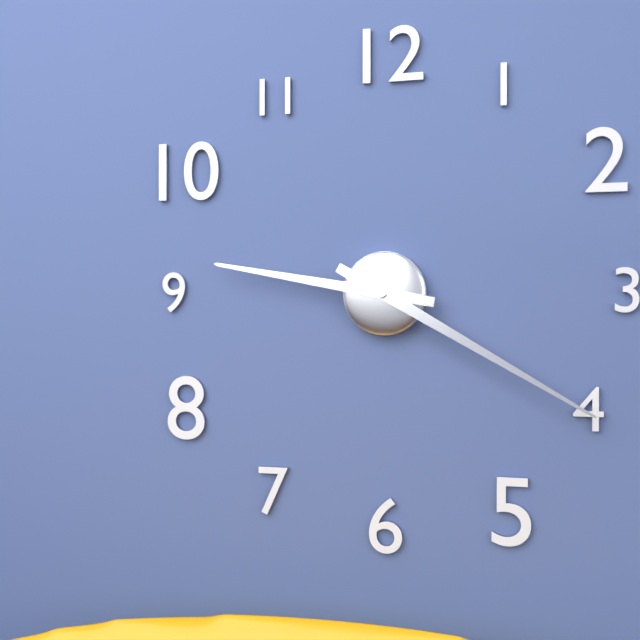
9.20
